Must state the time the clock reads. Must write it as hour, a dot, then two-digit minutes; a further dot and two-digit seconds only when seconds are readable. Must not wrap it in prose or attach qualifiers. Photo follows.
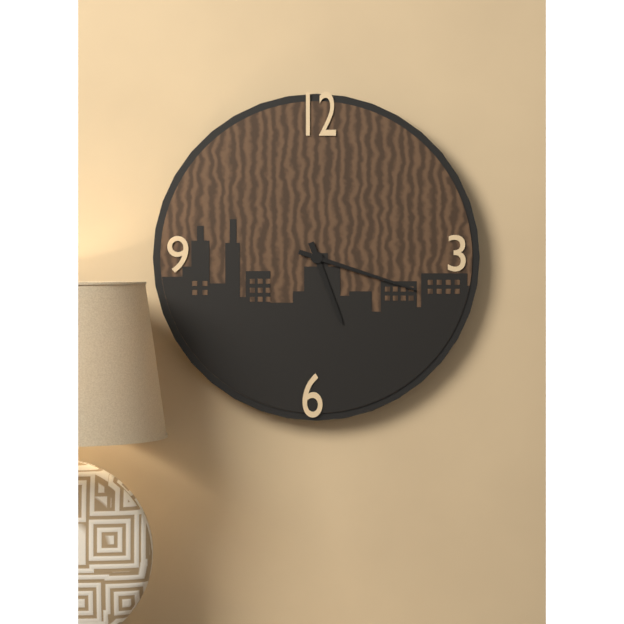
5.18
